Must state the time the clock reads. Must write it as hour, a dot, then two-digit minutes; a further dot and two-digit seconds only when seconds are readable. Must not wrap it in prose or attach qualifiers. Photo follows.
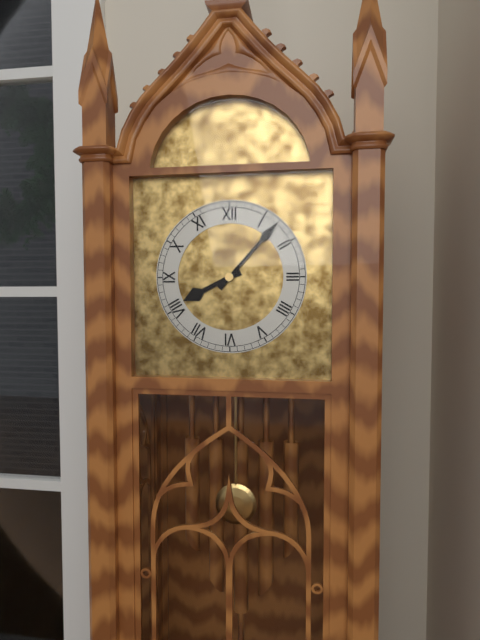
8.07
